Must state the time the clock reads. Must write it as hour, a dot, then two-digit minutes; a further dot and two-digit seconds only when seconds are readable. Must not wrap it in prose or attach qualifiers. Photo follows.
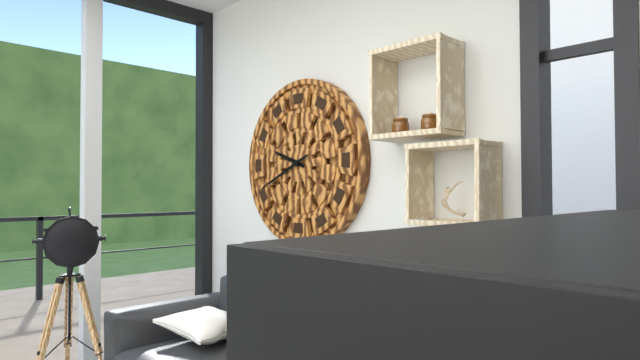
9.41
